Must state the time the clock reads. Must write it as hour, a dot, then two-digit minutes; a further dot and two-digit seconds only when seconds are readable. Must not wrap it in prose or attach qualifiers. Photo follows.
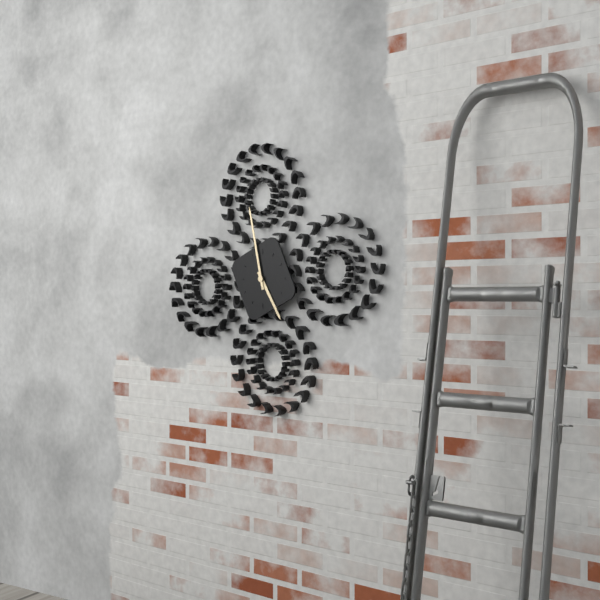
4.58
